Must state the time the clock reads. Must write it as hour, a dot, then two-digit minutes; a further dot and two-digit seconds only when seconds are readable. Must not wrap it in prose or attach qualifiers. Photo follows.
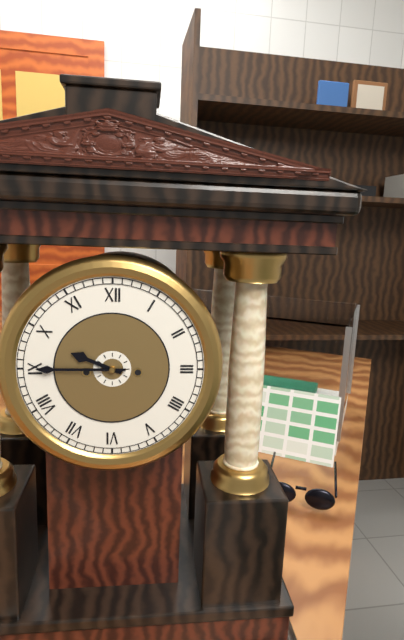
9.45
